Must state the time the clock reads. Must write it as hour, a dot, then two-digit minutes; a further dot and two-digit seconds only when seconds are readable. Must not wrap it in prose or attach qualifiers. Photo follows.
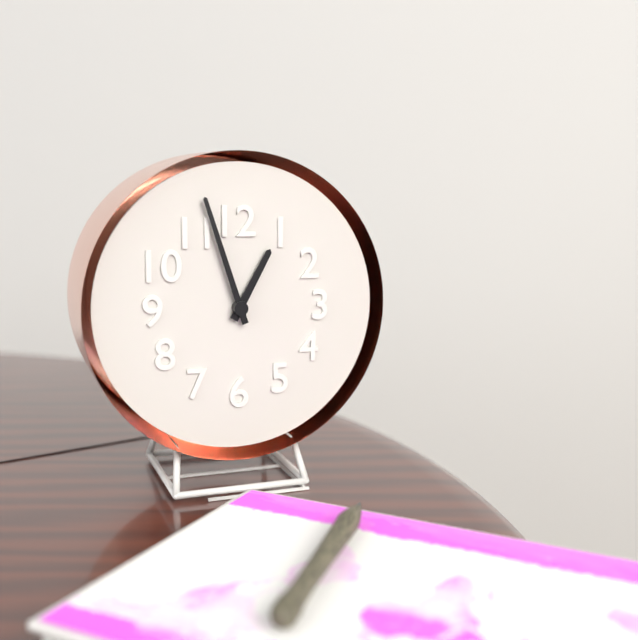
12.57
